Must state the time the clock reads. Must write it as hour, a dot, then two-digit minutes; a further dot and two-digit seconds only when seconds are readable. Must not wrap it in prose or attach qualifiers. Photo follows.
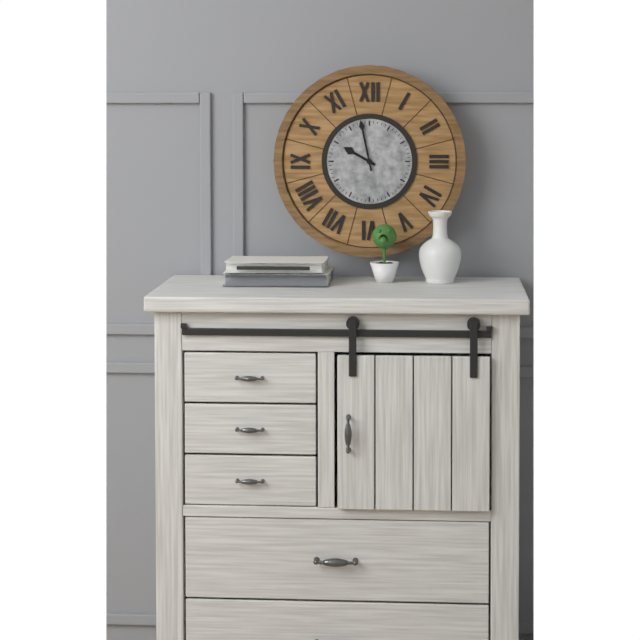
9.58
